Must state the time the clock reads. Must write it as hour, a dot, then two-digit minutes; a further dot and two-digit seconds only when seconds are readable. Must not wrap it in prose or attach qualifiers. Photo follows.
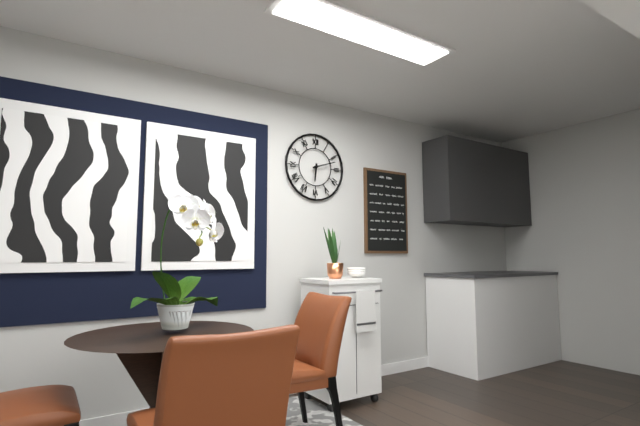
6.12
